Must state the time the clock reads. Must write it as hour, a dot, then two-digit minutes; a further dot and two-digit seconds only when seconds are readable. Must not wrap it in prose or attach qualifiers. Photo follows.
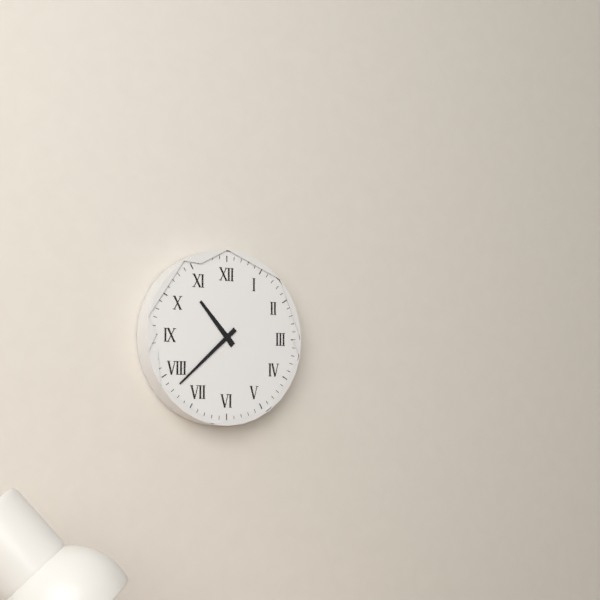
10.38
